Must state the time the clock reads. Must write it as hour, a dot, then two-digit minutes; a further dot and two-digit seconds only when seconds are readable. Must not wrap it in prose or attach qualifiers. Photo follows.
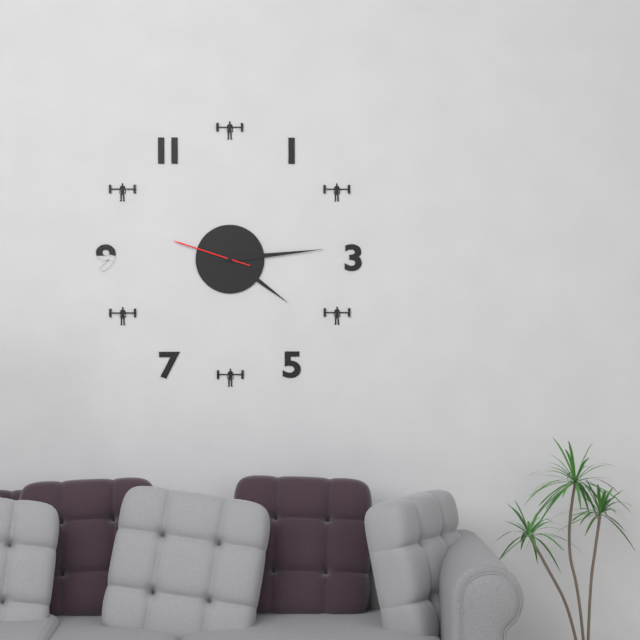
4.14.48
